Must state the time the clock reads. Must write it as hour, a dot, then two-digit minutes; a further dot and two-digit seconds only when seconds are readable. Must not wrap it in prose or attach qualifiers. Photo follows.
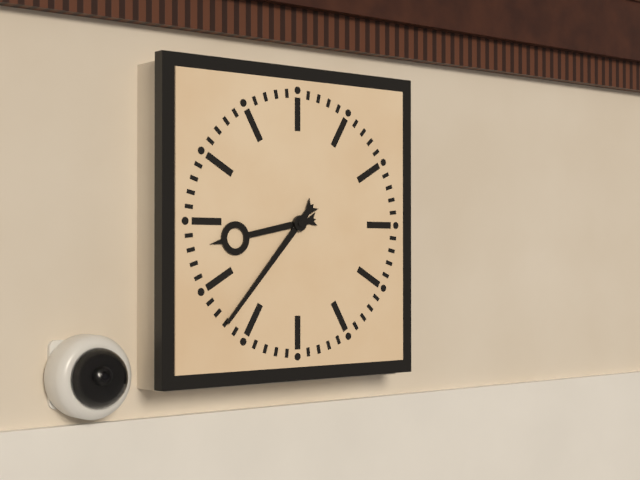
8.37
